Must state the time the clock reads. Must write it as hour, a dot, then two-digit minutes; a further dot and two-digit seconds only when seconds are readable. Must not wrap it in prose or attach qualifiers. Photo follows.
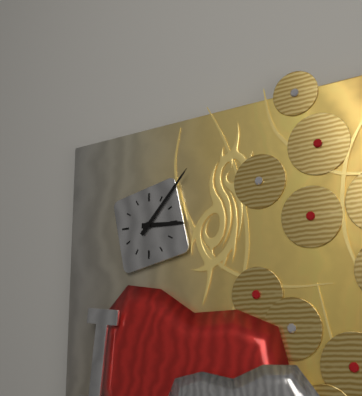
3.07
